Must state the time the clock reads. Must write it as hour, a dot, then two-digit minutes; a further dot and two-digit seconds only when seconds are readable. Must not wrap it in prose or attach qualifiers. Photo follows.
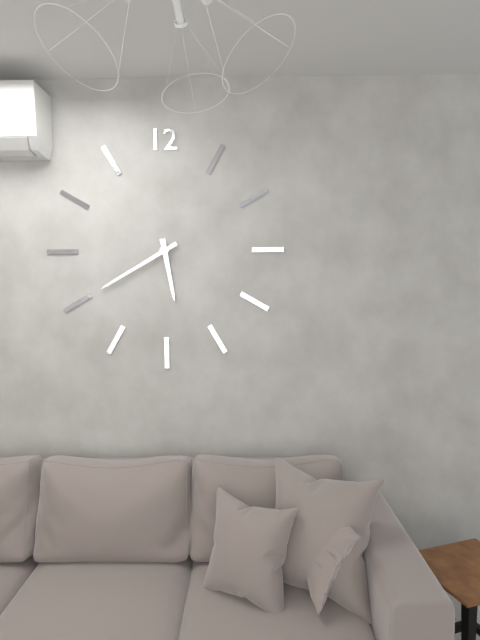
5.40
